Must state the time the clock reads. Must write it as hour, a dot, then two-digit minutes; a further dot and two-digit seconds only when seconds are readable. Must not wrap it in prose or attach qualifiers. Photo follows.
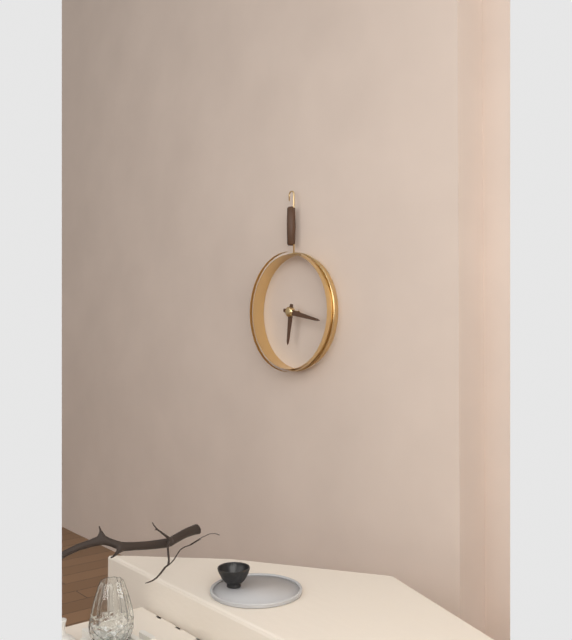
6.17
